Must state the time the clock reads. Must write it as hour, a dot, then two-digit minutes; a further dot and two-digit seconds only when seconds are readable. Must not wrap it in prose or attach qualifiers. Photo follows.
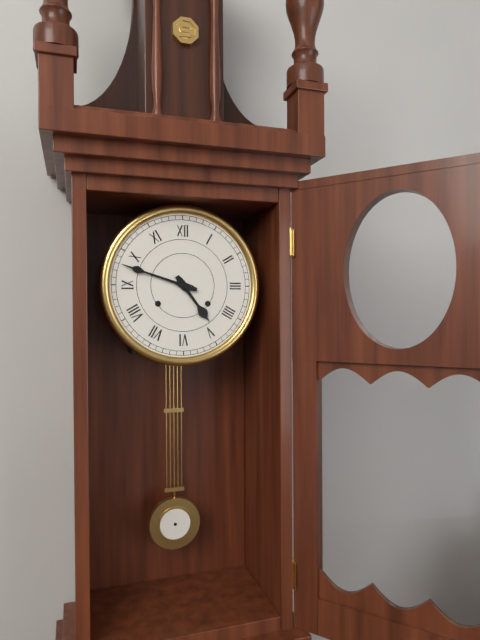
4.48
